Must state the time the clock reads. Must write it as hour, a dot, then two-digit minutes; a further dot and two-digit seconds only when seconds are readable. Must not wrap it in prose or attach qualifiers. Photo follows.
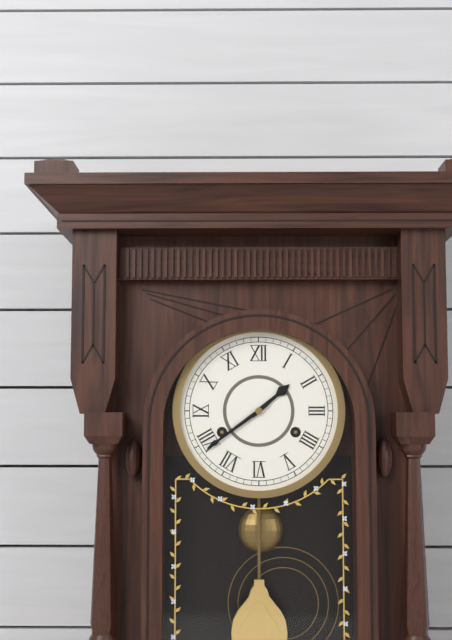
1.39
